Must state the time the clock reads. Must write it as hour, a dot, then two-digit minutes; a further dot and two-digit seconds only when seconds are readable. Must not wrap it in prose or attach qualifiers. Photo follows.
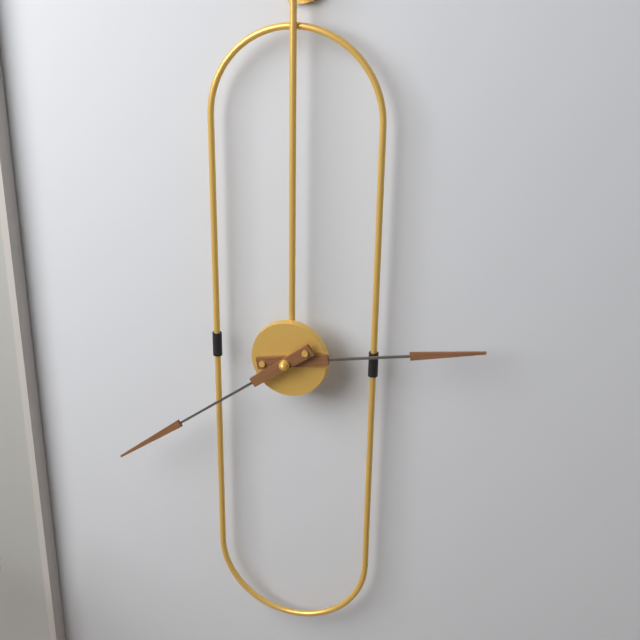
2.39
